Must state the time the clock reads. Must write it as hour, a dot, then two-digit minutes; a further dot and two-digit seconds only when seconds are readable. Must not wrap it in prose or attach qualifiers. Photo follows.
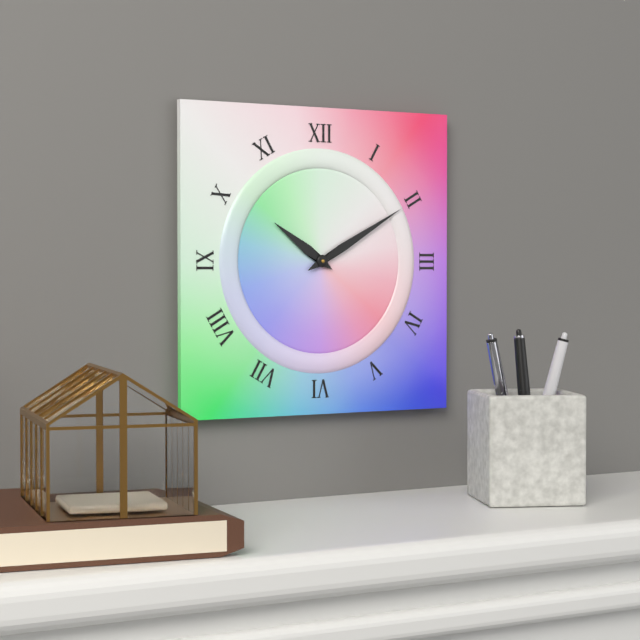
10.10
